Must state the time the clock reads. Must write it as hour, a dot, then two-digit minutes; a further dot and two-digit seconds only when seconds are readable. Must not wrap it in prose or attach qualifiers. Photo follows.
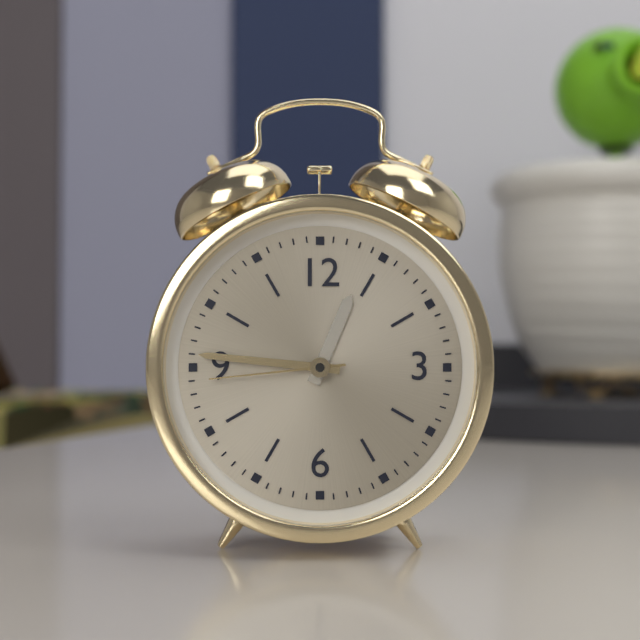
12.46.44
